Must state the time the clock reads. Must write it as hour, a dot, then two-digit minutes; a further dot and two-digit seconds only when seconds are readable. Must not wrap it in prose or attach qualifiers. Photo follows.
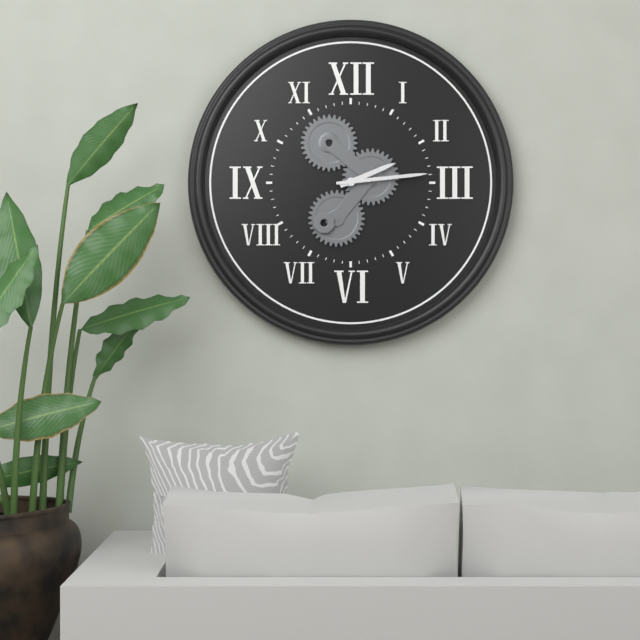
2.14
